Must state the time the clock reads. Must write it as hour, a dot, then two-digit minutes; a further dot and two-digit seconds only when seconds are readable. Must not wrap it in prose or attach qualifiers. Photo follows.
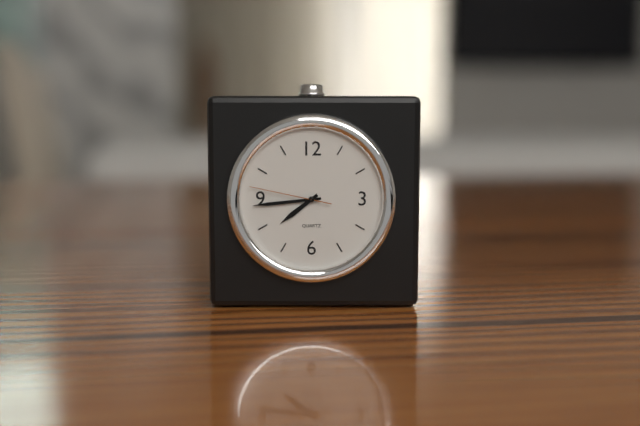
7.44.47
